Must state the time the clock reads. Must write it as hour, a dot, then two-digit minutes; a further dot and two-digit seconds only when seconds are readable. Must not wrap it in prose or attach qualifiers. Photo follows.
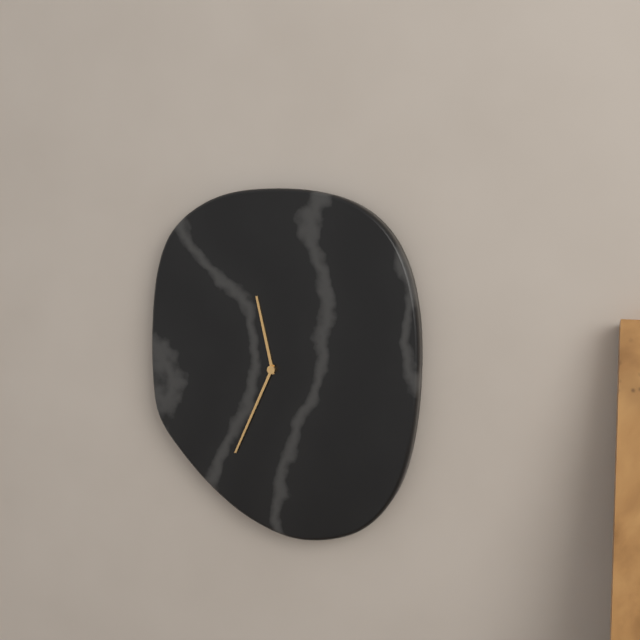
11.34
